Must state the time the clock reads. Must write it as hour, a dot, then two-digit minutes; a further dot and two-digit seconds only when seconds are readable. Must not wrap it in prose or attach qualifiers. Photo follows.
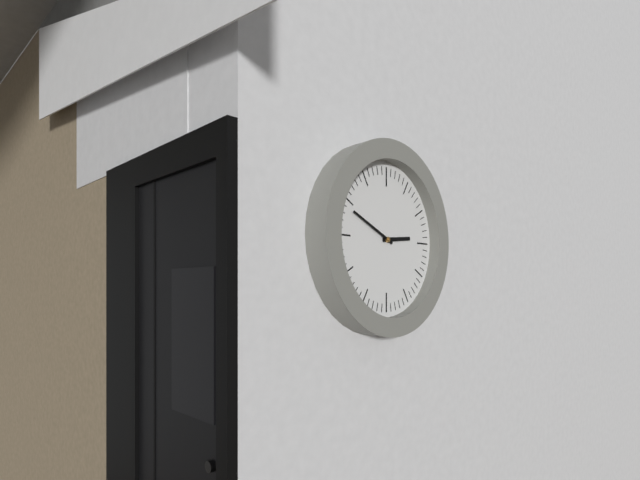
2.49
